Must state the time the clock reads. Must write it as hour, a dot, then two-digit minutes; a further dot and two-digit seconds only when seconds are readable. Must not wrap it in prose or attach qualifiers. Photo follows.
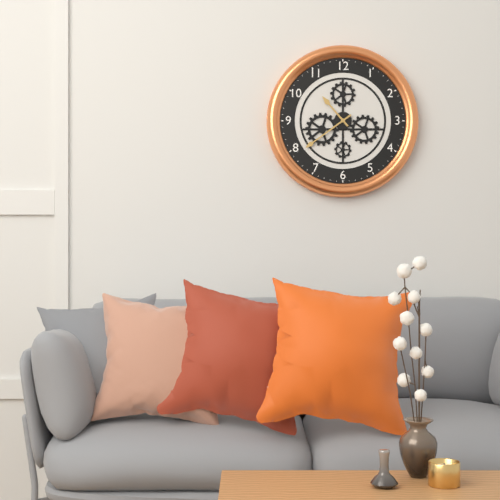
10.39
